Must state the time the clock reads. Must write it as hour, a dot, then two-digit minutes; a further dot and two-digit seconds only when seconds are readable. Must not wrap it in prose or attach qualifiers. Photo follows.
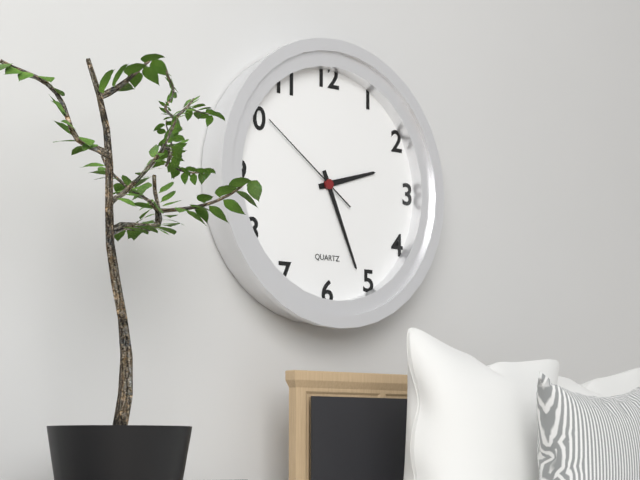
2.26.51
